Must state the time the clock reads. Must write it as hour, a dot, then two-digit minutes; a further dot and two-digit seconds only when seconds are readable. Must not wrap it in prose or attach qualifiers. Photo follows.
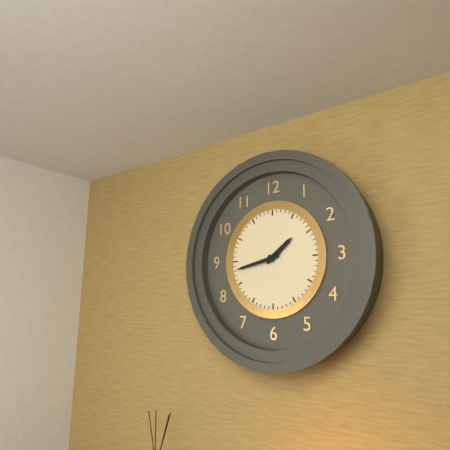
1.43
